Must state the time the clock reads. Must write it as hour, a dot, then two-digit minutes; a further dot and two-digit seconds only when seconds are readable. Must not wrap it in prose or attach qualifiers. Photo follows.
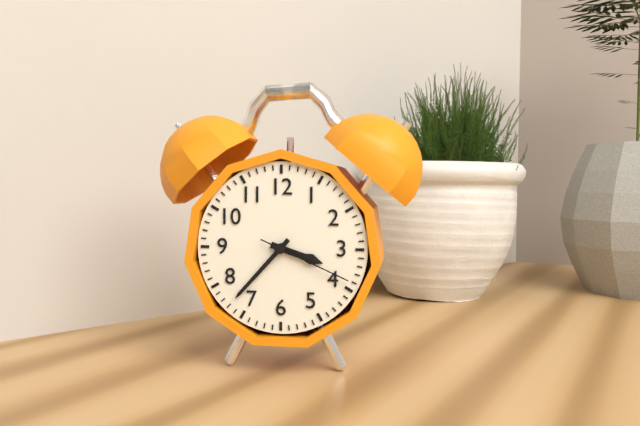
3.37.19
